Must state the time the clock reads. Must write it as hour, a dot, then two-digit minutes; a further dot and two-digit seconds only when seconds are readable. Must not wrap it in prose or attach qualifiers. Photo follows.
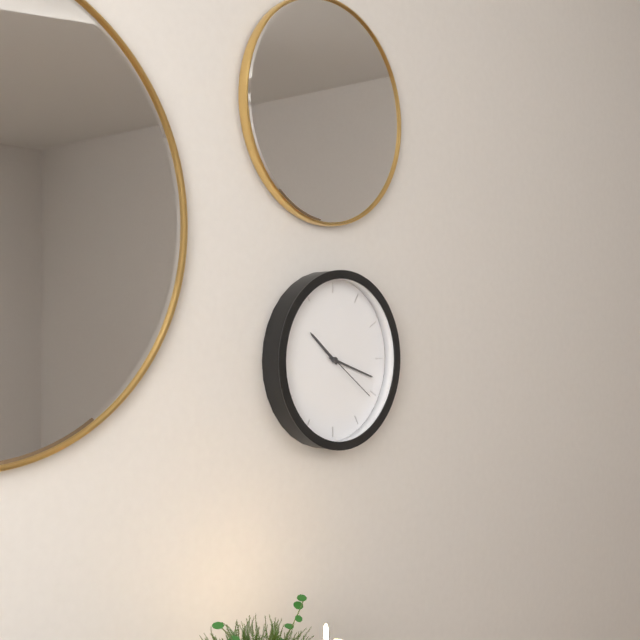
10.18.21
